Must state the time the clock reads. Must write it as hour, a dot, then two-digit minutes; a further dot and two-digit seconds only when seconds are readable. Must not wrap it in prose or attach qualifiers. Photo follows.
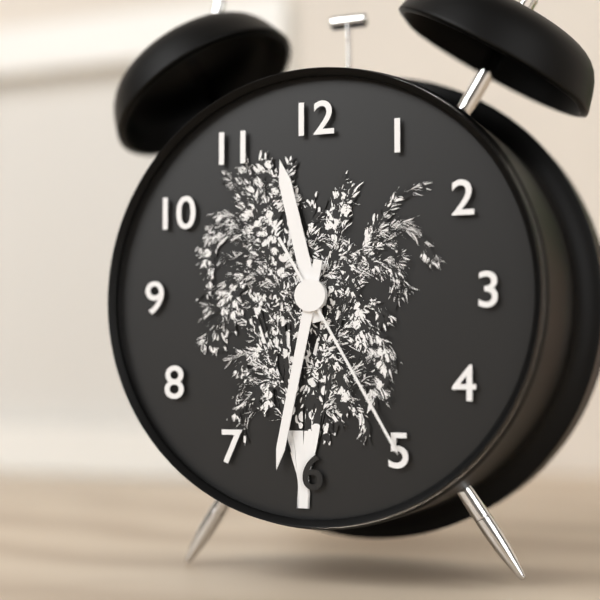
11.32.25
